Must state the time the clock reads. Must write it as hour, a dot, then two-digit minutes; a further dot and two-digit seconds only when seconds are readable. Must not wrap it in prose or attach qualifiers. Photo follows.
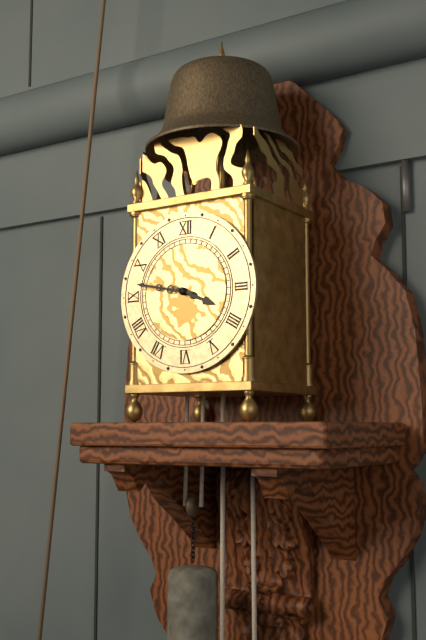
3.47
